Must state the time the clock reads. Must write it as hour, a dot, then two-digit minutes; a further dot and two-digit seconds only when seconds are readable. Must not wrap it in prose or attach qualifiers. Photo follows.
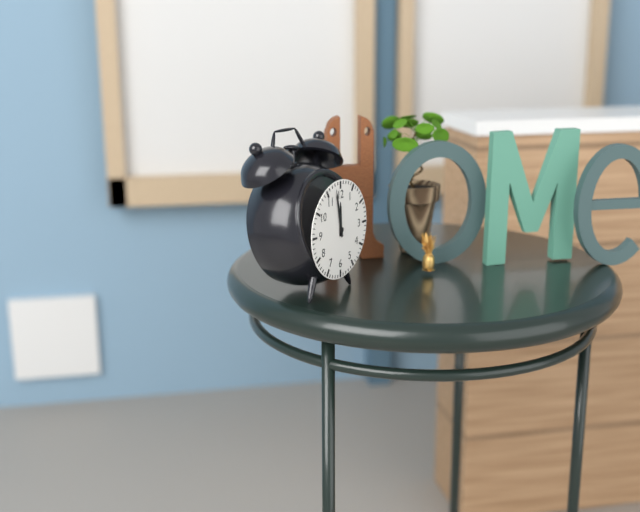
11.58
